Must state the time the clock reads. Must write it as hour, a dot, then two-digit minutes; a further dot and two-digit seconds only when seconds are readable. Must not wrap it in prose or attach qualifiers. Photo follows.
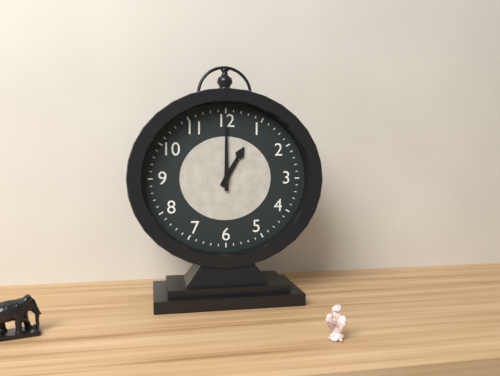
1.00
